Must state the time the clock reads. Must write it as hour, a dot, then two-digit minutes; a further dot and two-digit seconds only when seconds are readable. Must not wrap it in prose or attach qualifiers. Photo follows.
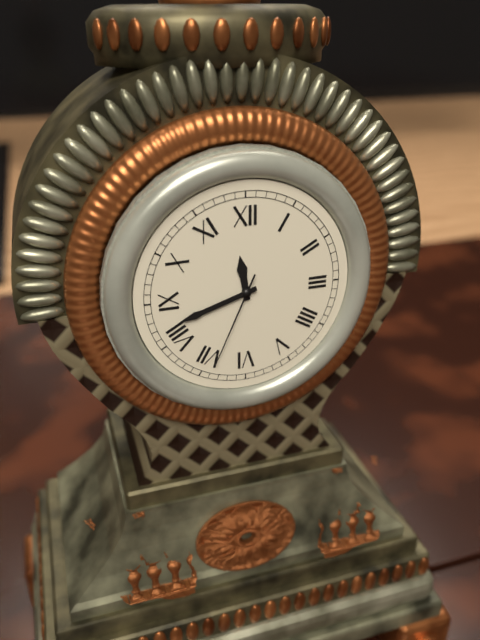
11.42.34
